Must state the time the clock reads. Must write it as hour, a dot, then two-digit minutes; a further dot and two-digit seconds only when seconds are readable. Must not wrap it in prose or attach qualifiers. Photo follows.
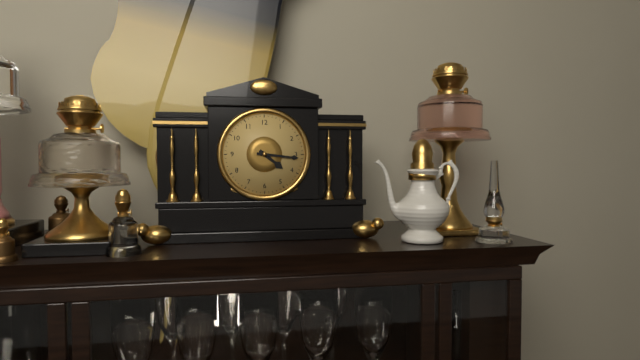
4.16
